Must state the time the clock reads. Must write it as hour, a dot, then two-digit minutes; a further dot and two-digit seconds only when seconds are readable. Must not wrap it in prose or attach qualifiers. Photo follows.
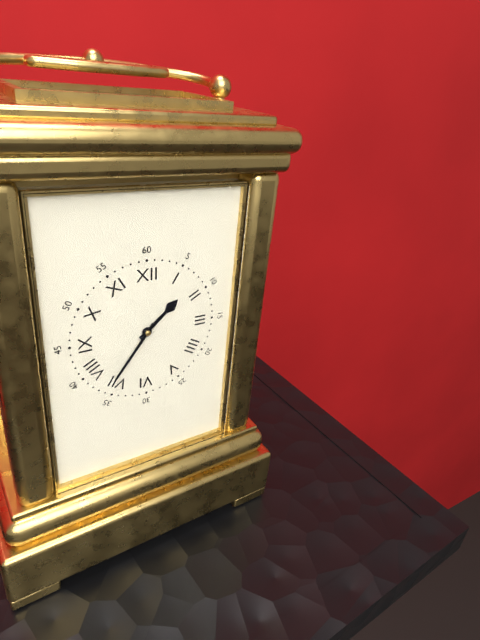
1.36
